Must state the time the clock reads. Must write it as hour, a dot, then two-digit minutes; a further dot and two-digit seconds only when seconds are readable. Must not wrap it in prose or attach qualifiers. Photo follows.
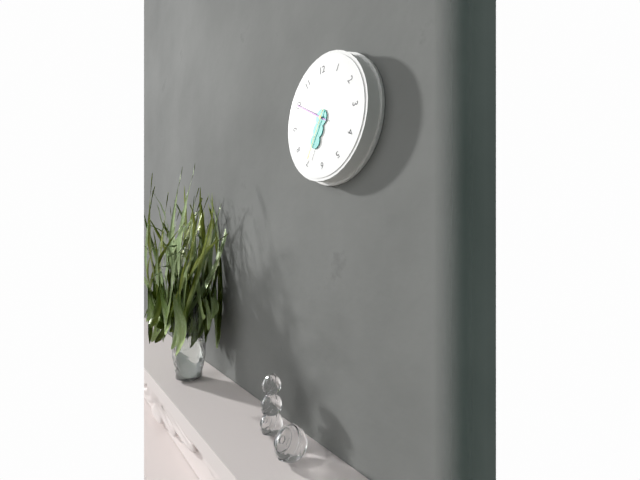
6.50.35
